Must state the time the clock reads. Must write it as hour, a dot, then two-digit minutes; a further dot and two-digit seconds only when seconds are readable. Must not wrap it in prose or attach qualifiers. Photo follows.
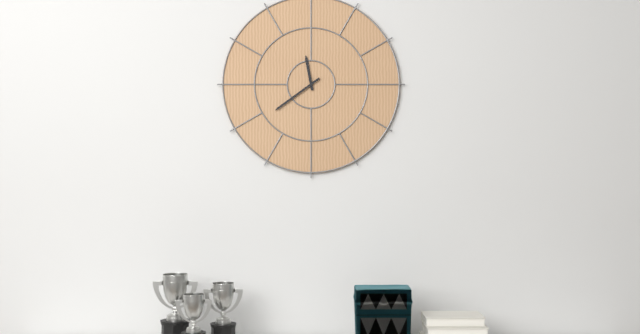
11.39
